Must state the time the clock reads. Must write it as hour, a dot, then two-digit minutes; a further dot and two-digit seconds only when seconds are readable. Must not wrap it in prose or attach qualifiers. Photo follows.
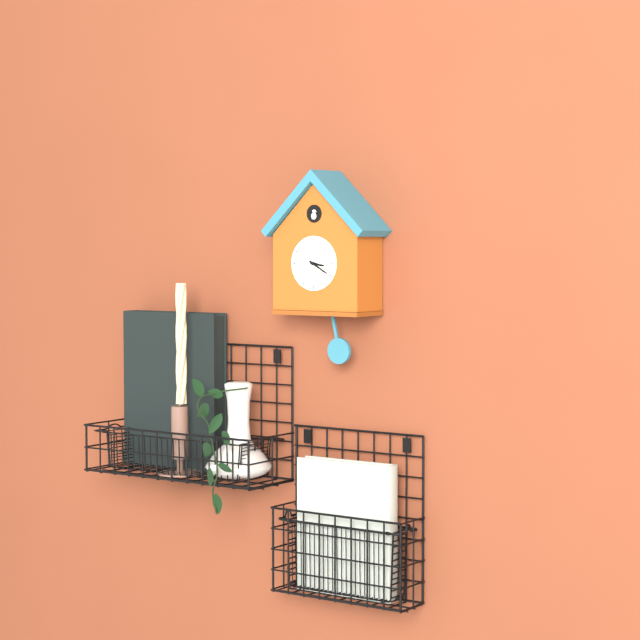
3.20
